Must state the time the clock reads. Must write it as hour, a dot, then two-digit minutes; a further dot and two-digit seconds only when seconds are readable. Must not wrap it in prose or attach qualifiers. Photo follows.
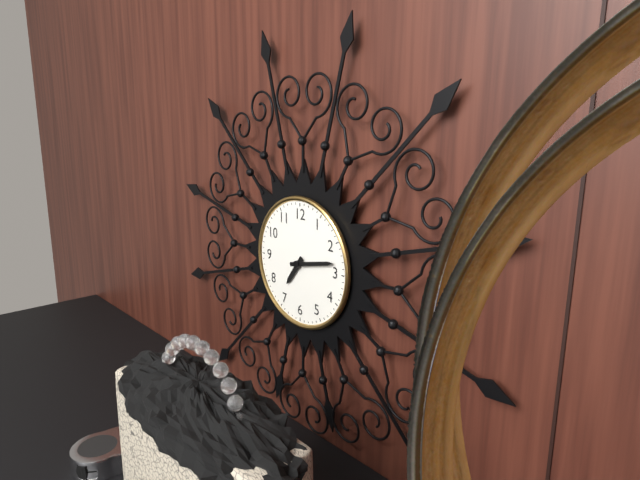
7.13
